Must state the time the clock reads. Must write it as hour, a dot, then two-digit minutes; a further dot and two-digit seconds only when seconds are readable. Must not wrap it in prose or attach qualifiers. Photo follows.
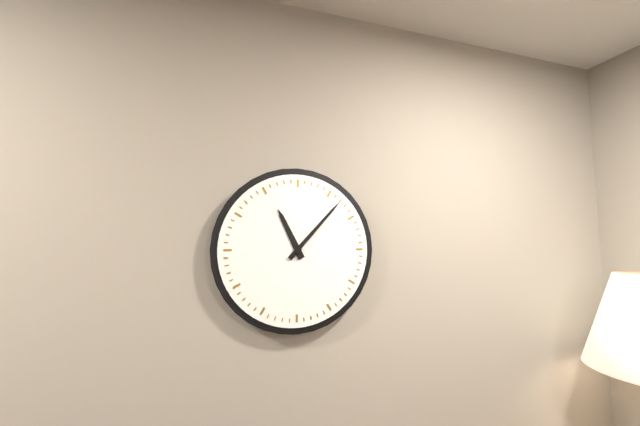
11.07
